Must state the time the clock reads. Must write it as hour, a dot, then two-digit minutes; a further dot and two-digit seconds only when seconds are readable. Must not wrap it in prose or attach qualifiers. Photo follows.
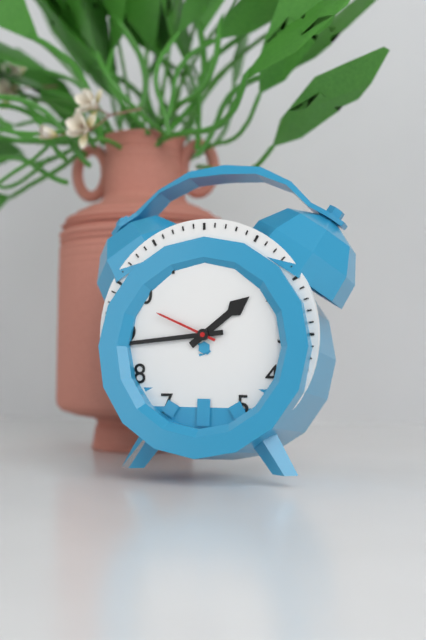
1.44.49
